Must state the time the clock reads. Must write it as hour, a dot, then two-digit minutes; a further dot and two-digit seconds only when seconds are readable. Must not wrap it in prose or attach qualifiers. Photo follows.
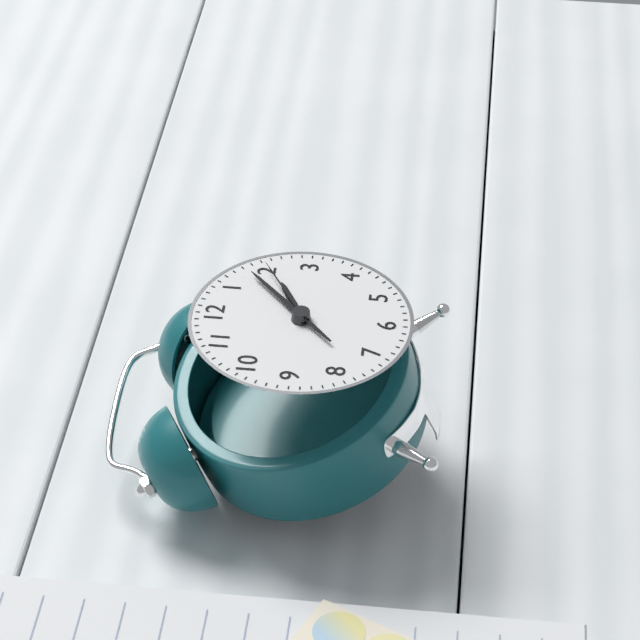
2.08.10
